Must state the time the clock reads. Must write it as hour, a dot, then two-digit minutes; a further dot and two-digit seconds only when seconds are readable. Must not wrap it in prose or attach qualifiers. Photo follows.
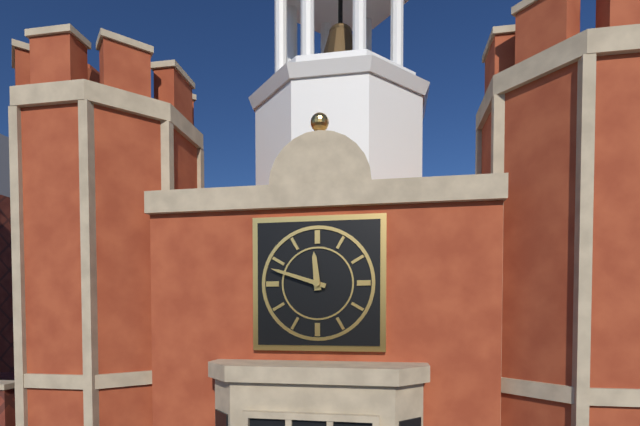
11.48
